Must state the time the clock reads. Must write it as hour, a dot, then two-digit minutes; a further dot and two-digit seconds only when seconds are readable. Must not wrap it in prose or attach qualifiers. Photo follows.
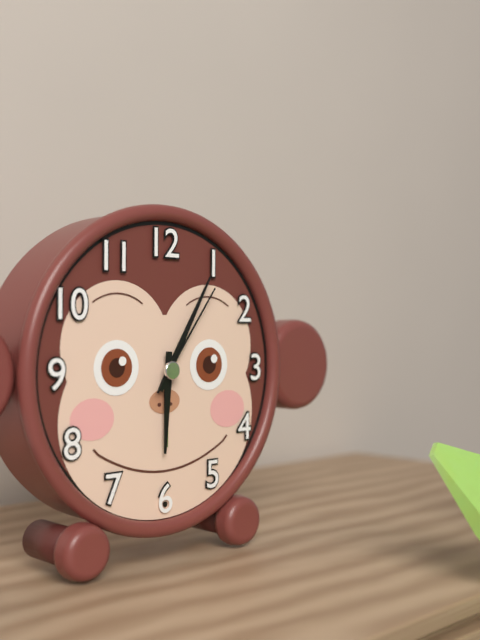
6.05.06
